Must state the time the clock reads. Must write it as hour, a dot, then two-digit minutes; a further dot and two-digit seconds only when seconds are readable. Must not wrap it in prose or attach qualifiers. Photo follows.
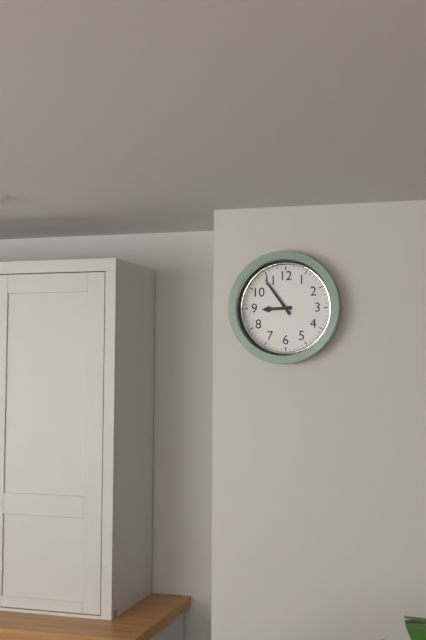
8.54
